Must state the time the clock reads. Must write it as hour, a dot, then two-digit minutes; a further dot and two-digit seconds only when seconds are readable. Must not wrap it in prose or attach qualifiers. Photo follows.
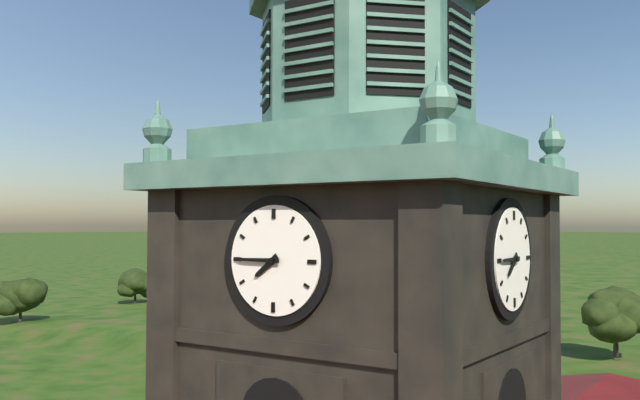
7.45
